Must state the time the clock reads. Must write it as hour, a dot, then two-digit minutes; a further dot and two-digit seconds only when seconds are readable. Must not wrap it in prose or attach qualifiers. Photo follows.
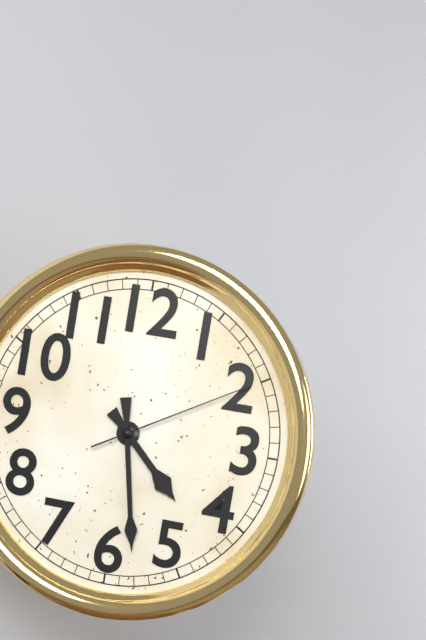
4.28.10
